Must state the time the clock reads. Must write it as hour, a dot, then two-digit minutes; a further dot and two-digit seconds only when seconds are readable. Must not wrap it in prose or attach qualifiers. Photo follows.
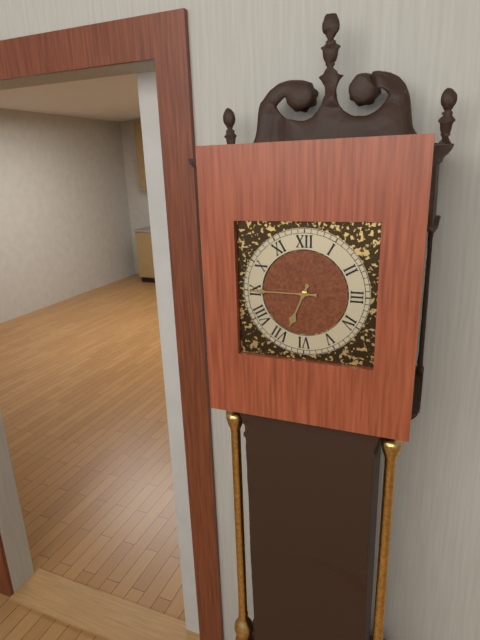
6.45
